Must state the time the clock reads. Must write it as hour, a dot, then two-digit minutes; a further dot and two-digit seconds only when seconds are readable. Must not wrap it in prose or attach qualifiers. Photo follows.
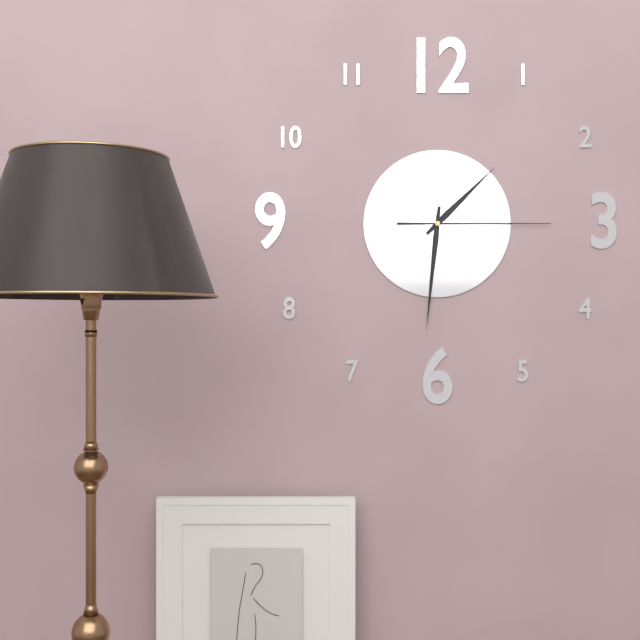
1.31.15
